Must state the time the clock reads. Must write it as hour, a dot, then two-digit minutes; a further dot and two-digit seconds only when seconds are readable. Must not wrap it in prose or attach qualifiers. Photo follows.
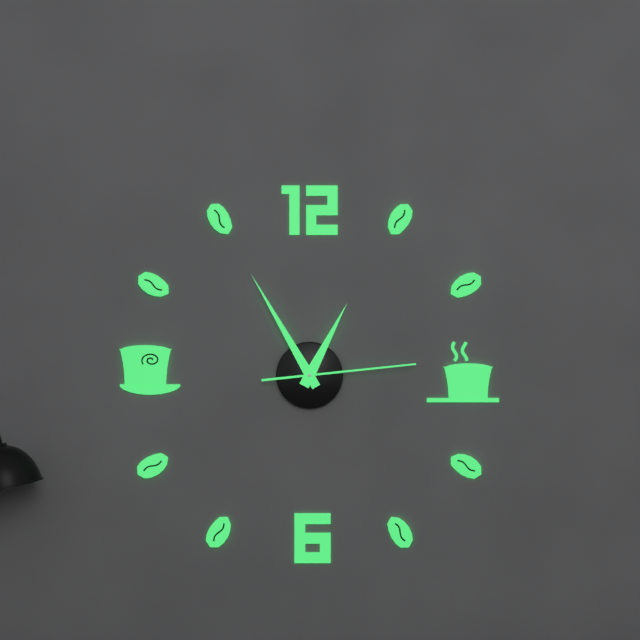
12.55.14
